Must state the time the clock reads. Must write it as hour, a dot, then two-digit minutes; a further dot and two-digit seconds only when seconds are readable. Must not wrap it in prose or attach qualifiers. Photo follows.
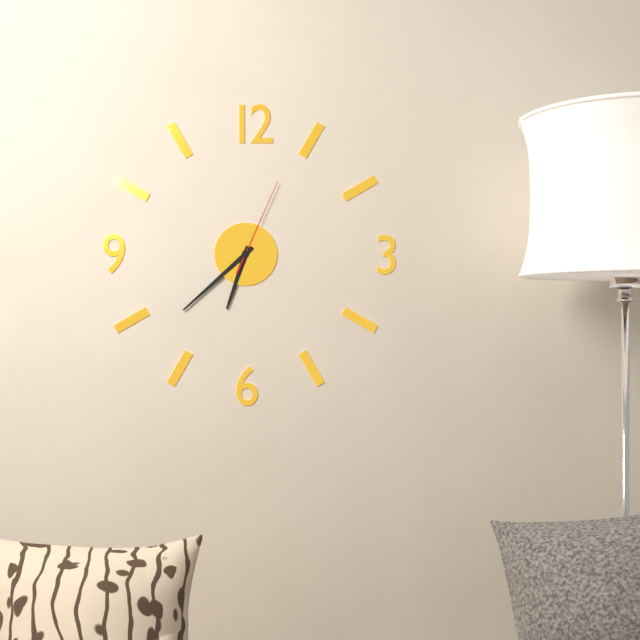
6.38.04
